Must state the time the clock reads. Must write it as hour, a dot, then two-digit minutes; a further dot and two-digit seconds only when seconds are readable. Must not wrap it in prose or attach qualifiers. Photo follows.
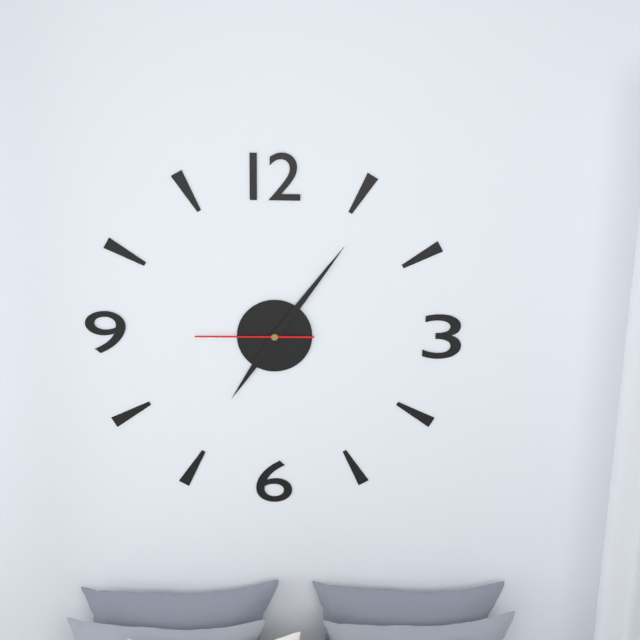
7.06.45
